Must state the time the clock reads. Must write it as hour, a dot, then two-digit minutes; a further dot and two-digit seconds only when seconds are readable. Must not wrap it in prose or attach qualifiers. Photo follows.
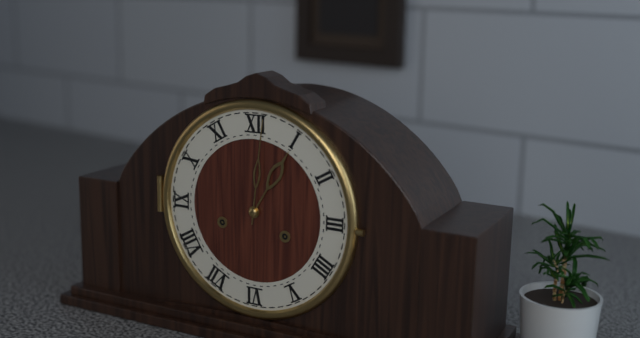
1.01
